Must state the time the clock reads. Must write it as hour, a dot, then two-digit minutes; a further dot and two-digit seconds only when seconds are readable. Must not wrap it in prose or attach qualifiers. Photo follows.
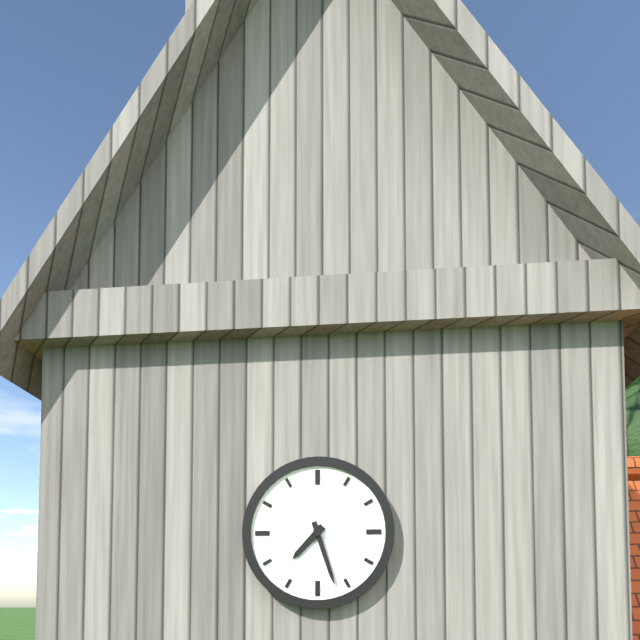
7.27
